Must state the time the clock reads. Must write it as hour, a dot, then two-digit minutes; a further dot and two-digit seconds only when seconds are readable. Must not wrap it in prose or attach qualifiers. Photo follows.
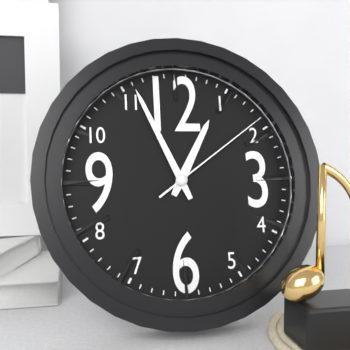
12.56.09
